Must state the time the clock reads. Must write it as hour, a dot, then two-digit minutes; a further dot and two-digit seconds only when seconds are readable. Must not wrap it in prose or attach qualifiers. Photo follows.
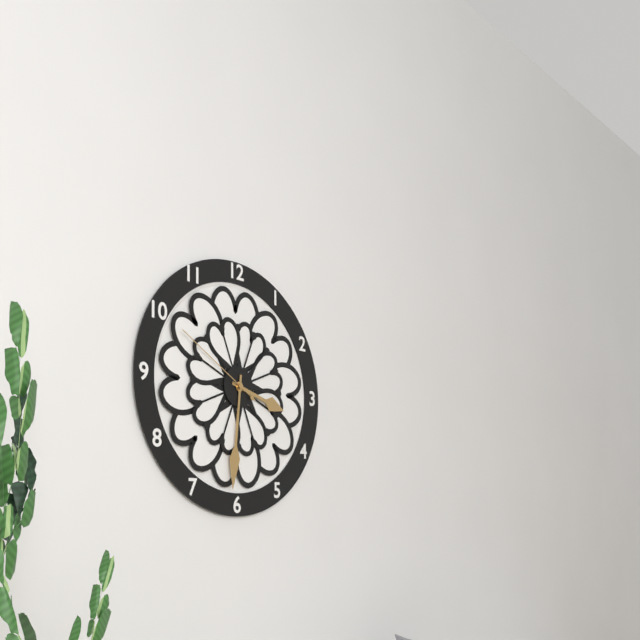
3.31.50
